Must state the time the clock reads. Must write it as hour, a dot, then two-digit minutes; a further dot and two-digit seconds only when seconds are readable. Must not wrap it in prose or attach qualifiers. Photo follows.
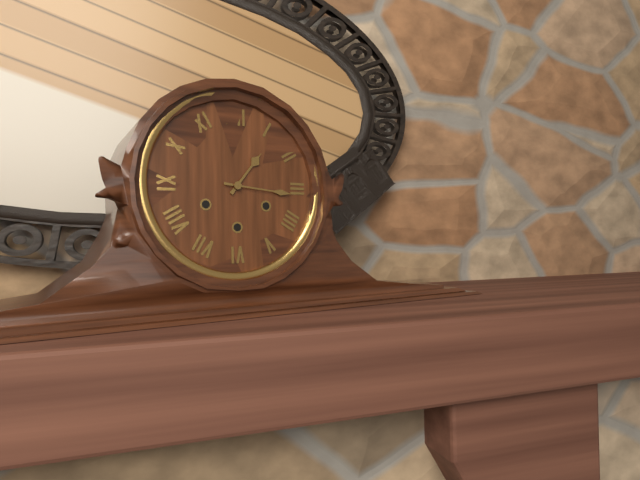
1.16
